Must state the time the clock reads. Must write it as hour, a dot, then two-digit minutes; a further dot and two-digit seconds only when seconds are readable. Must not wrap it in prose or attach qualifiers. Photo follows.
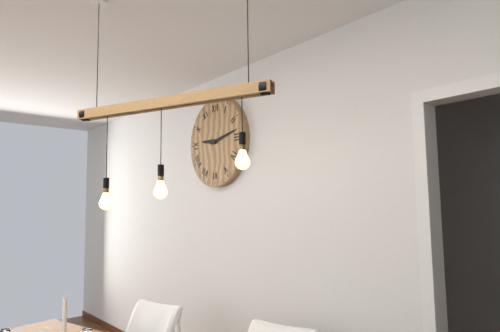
9.13
